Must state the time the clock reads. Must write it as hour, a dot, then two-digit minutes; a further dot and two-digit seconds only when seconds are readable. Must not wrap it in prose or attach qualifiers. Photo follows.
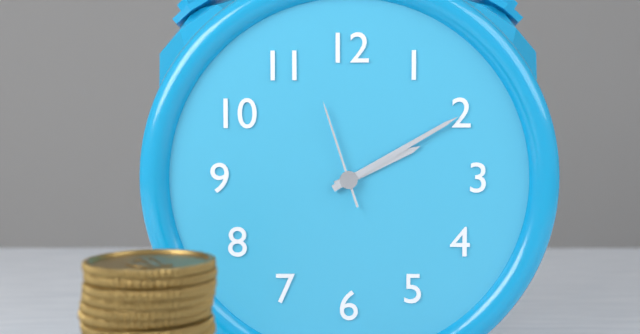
2.10.57
